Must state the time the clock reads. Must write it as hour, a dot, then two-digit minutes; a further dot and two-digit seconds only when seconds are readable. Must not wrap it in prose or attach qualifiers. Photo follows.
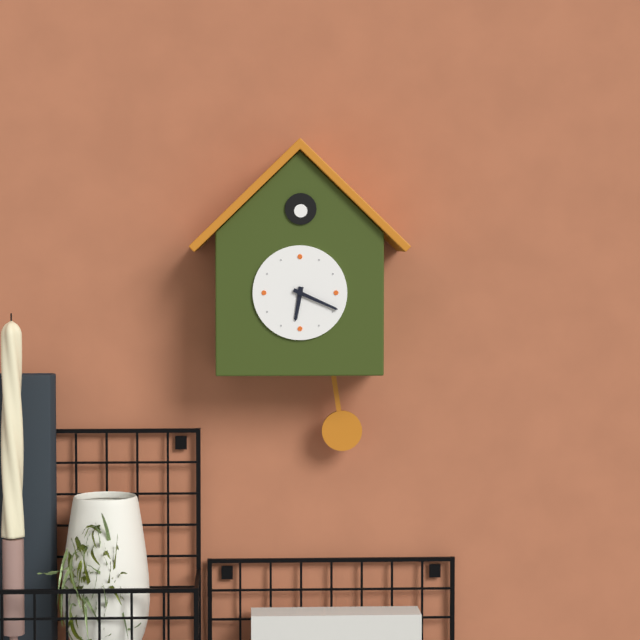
6.19
